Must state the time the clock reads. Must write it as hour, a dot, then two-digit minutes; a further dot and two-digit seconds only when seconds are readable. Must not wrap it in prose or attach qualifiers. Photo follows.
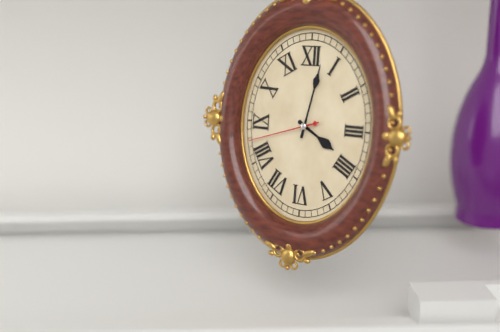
4.02.42
